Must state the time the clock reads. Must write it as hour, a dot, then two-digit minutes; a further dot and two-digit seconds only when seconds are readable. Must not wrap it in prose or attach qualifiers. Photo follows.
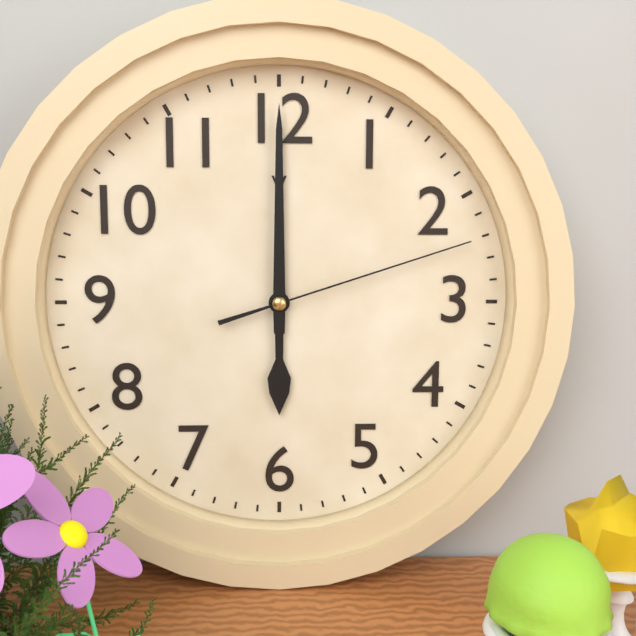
6.00.12
